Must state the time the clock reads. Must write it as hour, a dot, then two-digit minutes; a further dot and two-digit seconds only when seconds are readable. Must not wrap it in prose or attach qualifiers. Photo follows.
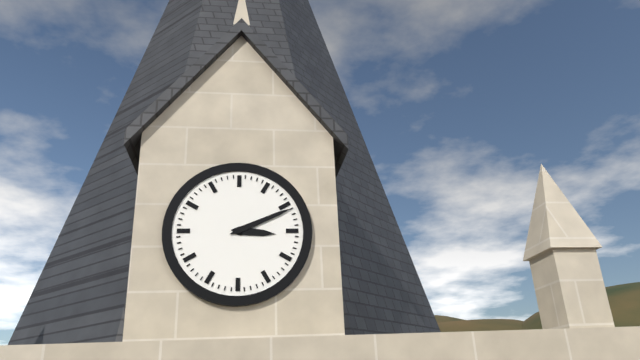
3.11
